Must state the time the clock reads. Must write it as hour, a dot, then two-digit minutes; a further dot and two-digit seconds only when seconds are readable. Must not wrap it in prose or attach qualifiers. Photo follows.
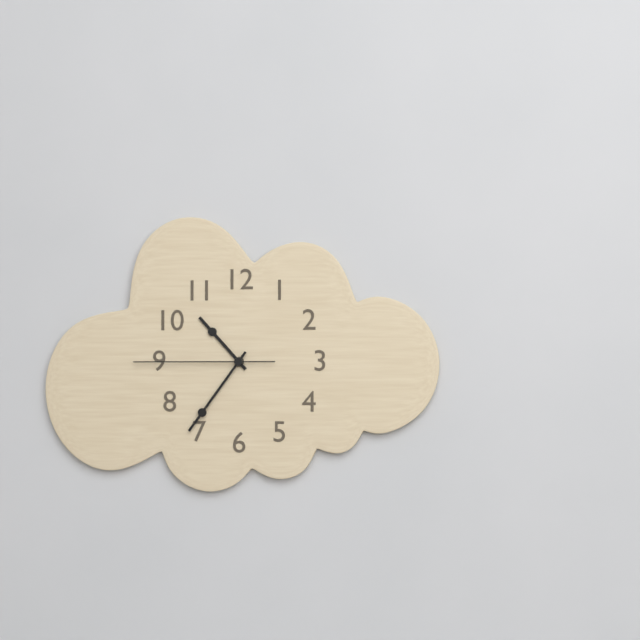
10.36.45
